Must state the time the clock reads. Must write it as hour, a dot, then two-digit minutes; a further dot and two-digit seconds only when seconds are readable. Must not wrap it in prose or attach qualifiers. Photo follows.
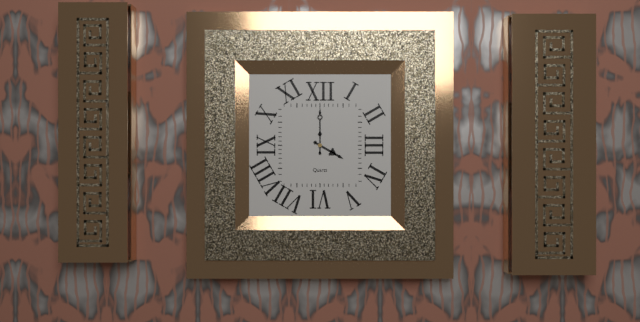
4.00
